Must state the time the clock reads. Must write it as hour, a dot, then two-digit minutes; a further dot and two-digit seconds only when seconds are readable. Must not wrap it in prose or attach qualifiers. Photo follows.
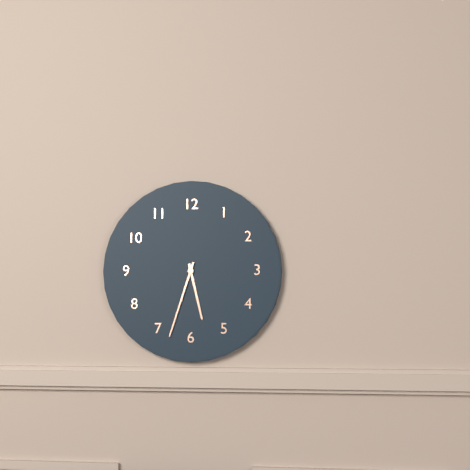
5.33
